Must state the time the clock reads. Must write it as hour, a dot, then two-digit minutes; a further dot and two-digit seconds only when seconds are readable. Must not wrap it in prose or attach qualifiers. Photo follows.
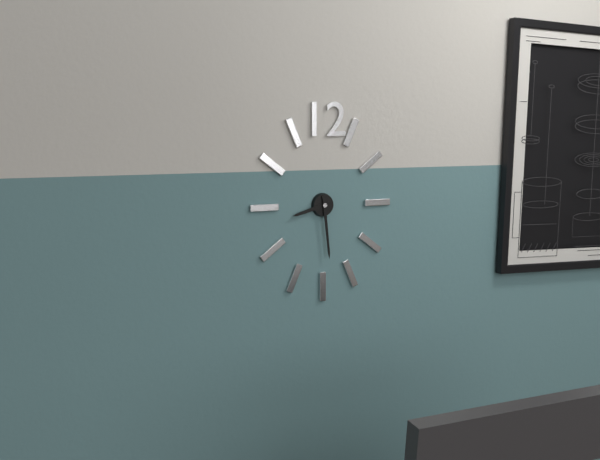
8.29
